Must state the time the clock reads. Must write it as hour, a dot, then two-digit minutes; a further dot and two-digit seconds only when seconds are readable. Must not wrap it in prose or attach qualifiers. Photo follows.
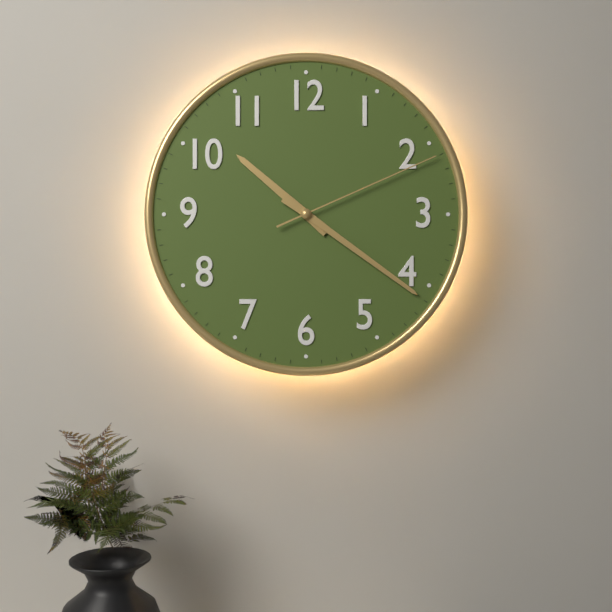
10.21.11
